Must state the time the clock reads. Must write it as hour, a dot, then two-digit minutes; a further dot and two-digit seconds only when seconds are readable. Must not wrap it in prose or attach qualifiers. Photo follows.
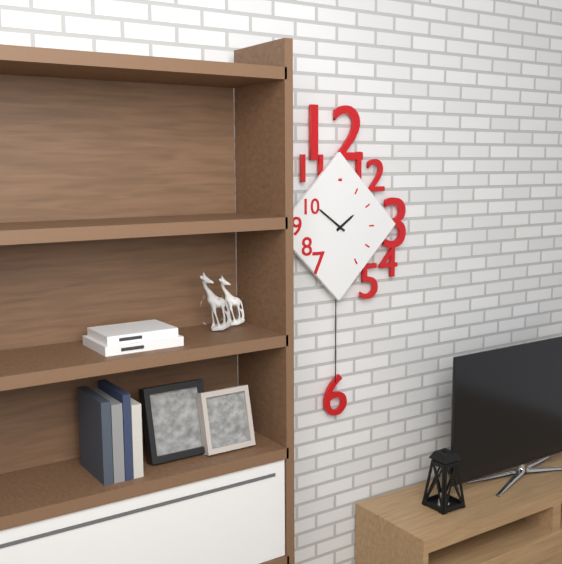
1.51
